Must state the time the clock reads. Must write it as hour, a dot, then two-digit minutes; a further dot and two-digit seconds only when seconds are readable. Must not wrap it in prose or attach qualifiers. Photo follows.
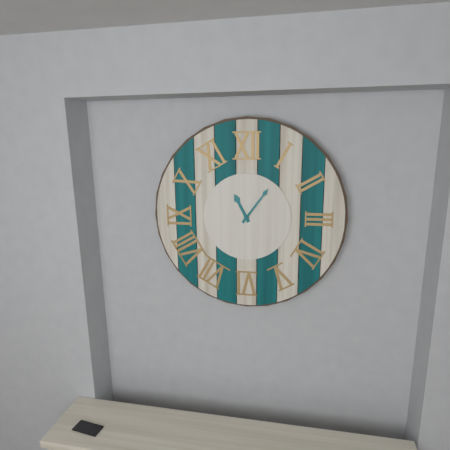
11.06
